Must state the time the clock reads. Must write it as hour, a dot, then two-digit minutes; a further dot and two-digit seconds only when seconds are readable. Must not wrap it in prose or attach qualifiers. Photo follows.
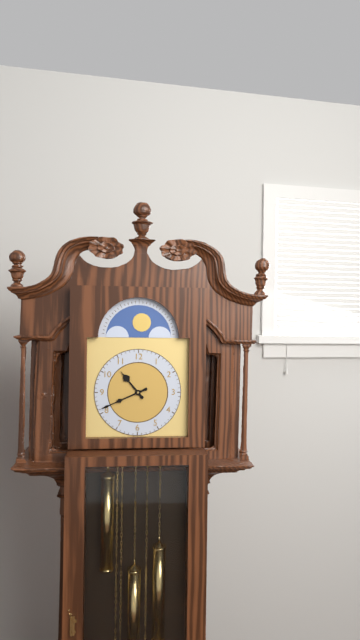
10.41
